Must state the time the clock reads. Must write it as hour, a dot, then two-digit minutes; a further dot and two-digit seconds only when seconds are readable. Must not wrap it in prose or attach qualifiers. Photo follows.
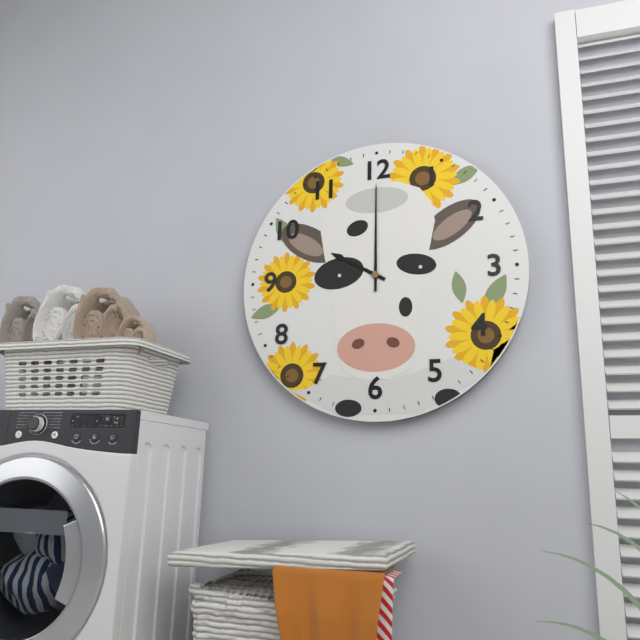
10.00
